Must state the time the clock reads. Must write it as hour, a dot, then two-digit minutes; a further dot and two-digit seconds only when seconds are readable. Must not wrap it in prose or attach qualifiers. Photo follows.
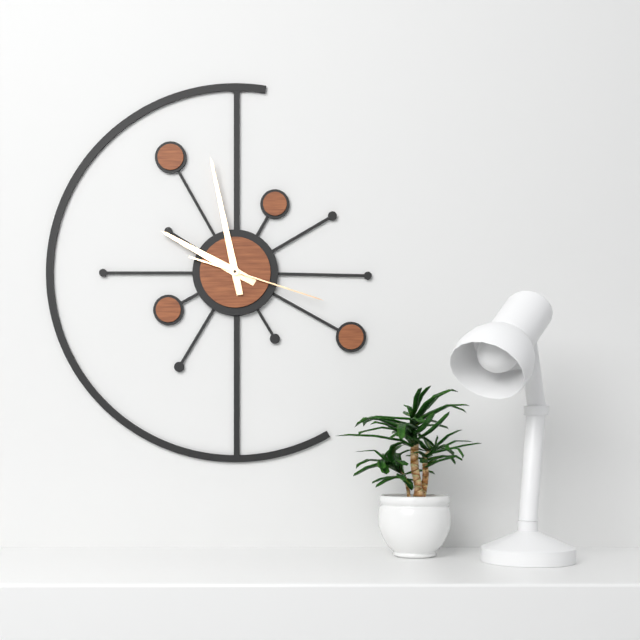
9.58.18
